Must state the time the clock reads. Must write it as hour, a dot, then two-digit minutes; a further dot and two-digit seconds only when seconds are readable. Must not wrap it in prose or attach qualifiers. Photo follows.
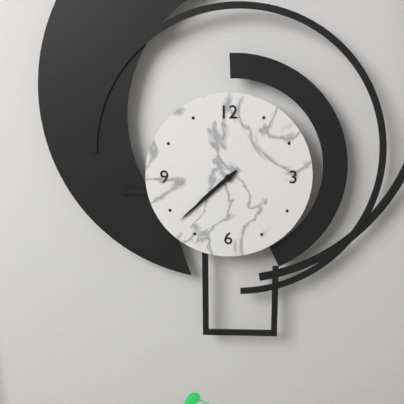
7.38
